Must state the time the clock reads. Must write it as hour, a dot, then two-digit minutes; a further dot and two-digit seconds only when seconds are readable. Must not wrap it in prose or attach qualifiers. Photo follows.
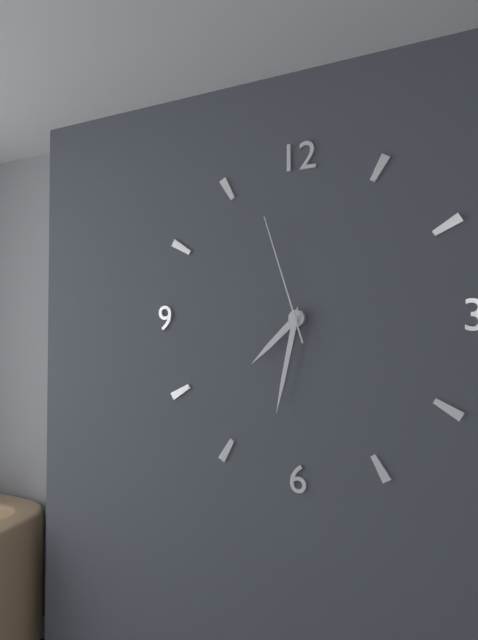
7.32.57
